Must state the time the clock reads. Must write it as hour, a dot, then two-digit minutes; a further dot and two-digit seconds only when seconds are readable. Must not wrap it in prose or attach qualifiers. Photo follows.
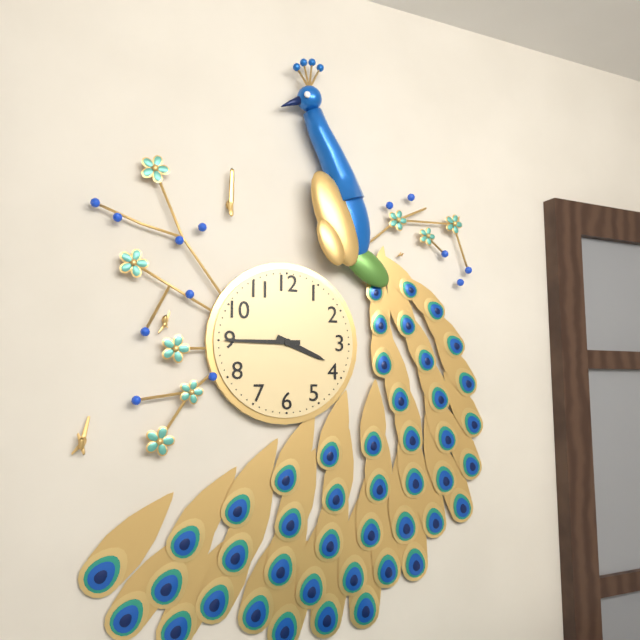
3.45
